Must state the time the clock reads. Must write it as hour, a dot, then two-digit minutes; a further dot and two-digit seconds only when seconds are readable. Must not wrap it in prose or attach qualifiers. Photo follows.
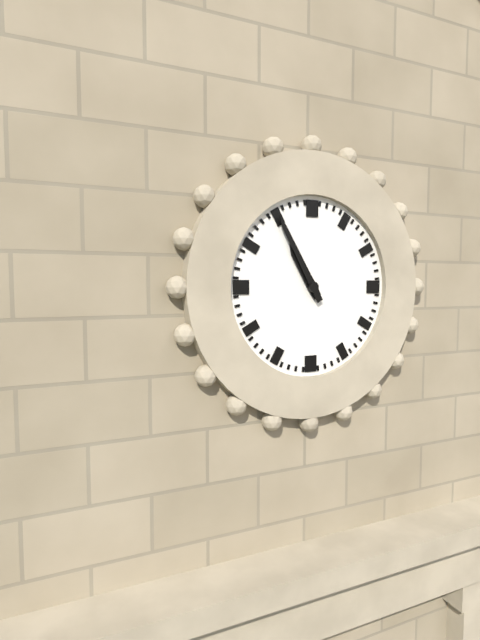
10.55
